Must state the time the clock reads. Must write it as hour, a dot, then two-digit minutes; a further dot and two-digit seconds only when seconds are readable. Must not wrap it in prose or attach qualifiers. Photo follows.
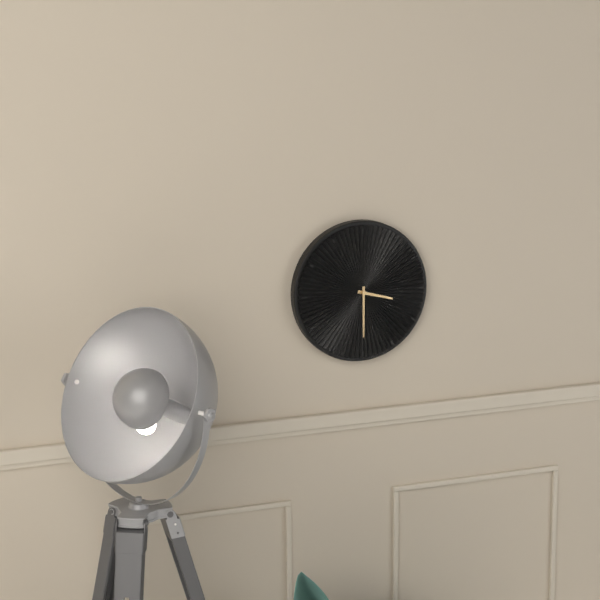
3.30
